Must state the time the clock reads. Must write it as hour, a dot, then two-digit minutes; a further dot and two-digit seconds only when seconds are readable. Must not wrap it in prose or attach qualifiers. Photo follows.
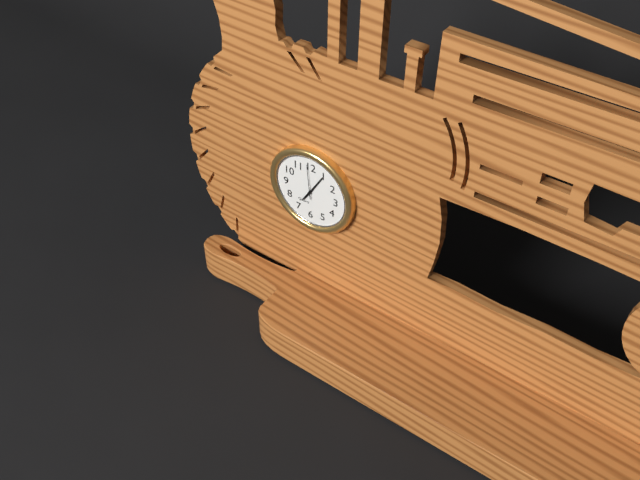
7.05
